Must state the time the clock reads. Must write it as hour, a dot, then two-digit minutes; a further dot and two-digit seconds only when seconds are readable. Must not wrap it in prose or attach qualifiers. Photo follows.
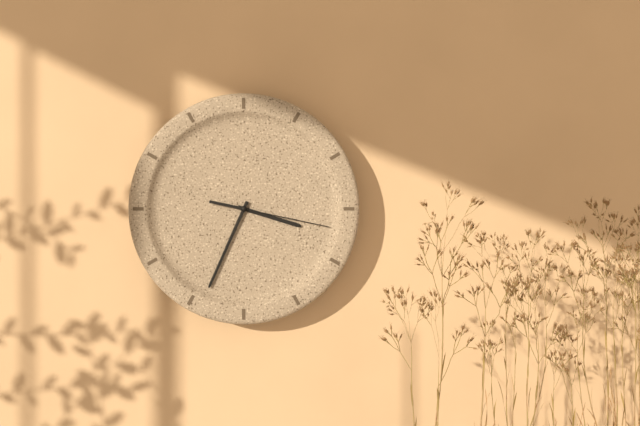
3.34.17
